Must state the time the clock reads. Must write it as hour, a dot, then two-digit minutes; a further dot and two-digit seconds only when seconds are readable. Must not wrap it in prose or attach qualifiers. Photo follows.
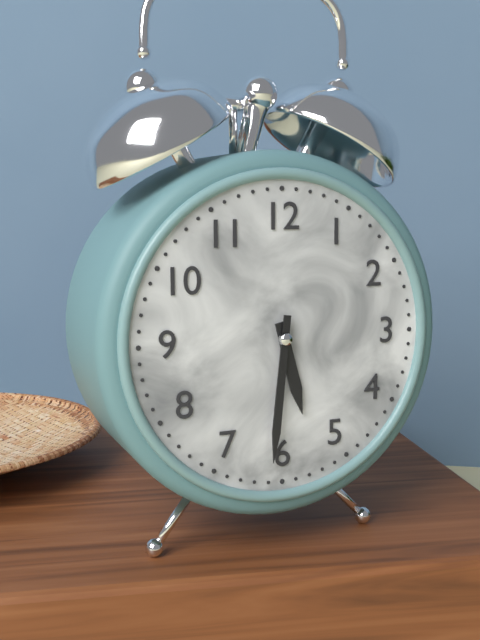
5.31
